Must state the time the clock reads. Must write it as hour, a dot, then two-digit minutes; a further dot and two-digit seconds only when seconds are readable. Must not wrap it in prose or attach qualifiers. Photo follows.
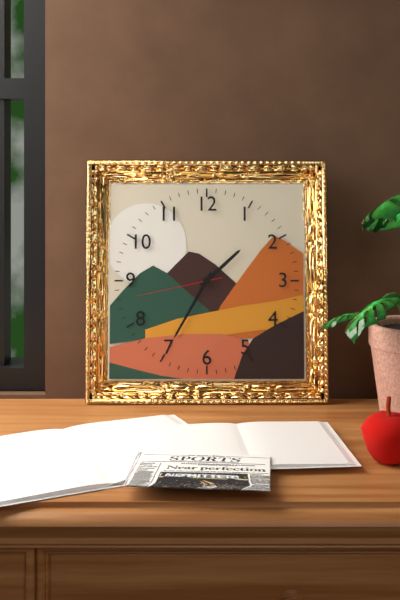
1.35.43
